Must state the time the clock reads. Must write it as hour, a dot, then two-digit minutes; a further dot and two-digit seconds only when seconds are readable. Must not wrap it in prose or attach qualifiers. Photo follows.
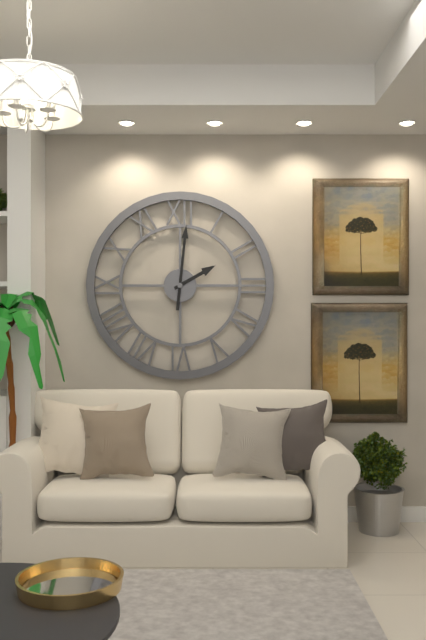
2.01
